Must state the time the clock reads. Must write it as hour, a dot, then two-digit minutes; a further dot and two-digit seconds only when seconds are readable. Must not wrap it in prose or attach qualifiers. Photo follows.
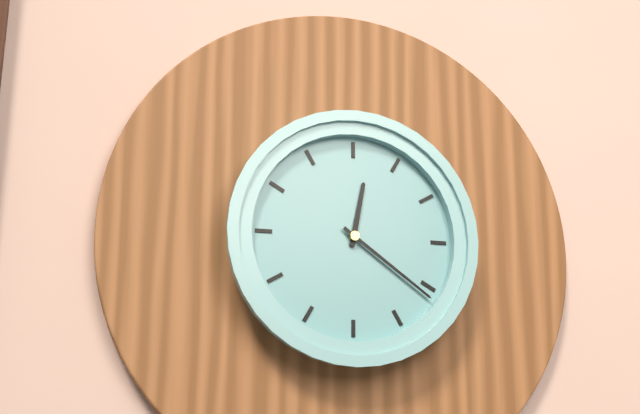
12.21
